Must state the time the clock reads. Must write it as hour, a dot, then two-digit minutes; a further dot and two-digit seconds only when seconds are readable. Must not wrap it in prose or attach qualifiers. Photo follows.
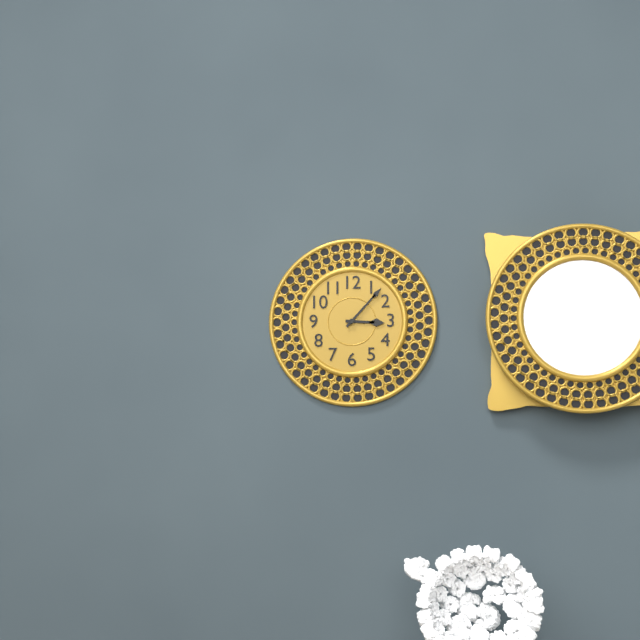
3.07
